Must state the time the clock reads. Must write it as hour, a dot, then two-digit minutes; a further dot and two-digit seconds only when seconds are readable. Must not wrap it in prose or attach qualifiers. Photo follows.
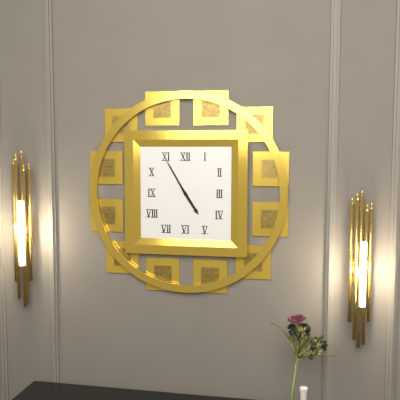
4.55
